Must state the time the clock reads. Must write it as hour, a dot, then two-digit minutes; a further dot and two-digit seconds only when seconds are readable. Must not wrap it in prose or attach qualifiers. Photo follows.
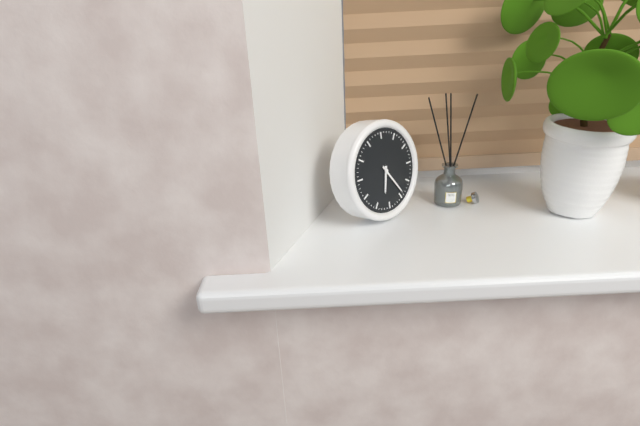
6.24
